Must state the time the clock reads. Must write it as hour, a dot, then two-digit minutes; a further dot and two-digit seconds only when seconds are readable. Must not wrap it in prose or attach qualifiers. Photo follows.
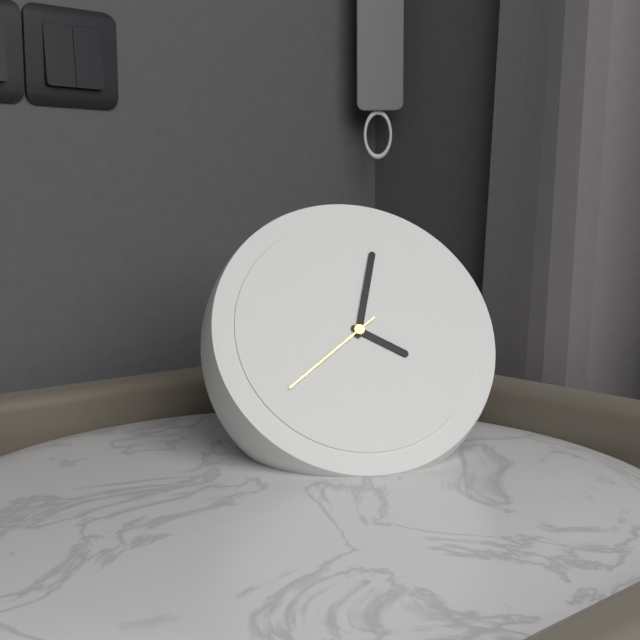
4.03.39
